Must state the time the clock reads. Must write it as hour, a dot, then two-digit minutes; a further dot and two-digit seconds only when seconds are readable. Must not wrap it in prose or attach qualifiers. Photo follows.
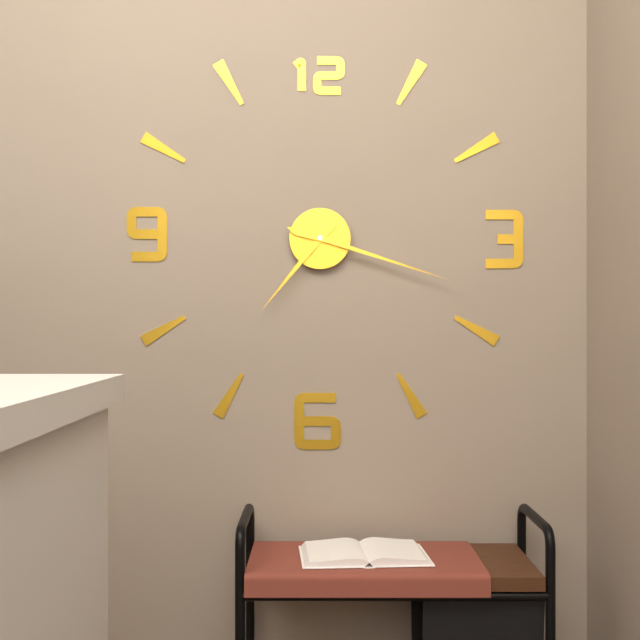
7.18
